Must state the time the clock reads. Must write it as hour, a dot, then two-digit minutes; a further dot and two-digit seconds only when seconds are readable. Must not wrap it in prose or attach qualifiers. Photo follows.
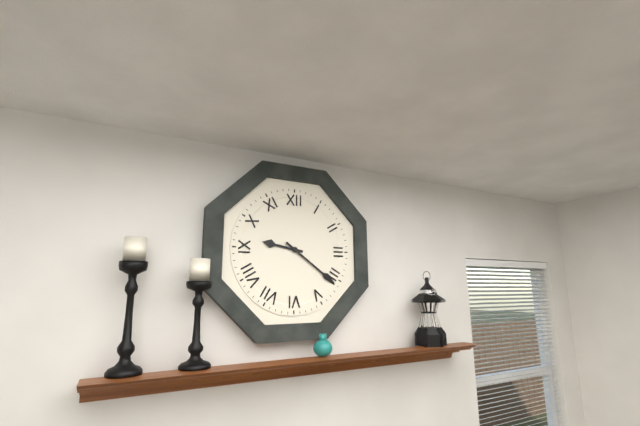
9.21
